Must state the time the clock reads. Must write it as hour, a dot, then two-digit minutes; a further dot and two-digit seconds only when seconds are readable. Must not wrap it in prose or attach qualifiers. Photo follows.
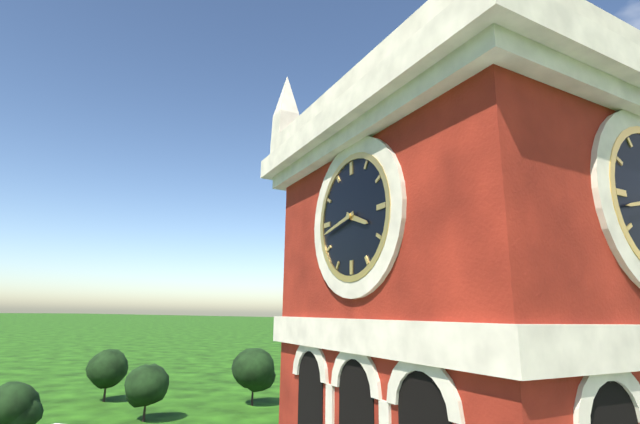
3.43
